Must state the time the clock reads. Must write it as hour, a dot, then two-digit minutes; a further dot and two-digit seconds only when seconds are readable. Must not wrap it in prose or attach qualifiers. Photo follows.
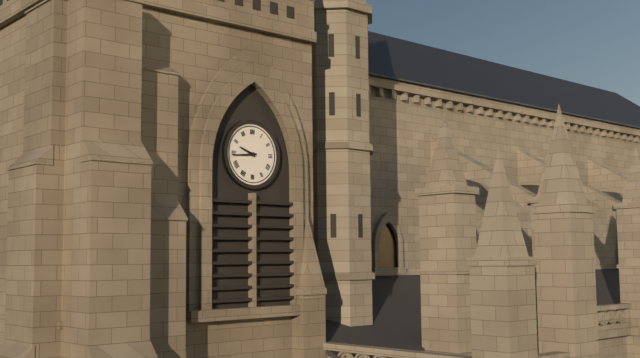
9.44
